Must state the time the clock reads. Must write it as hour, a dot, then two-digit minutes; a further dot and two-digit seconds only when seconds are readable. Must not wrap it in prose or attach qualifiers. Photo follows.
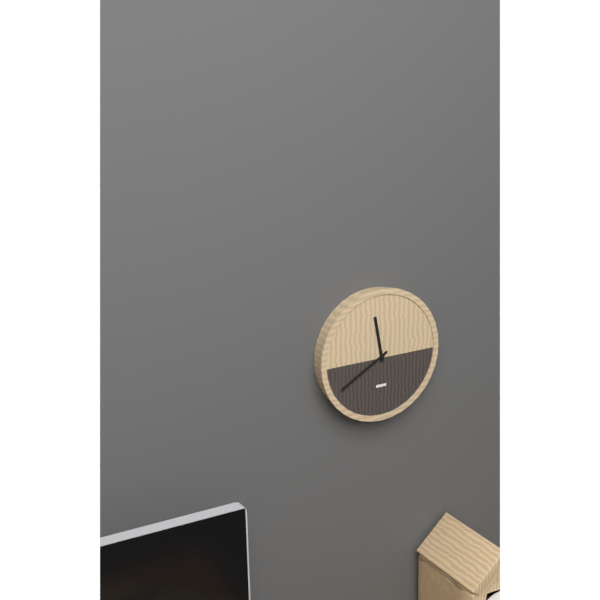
11.40
